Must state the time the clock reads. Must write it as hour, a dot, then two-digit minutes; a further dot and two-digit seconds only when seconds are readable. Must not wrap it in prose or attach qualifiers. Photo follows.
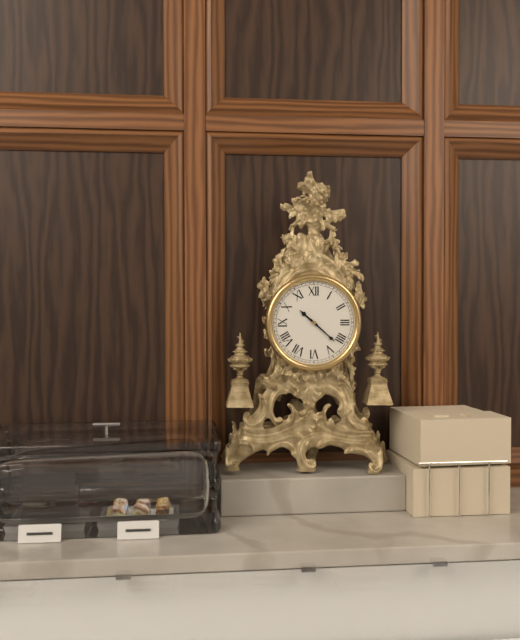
10.22
